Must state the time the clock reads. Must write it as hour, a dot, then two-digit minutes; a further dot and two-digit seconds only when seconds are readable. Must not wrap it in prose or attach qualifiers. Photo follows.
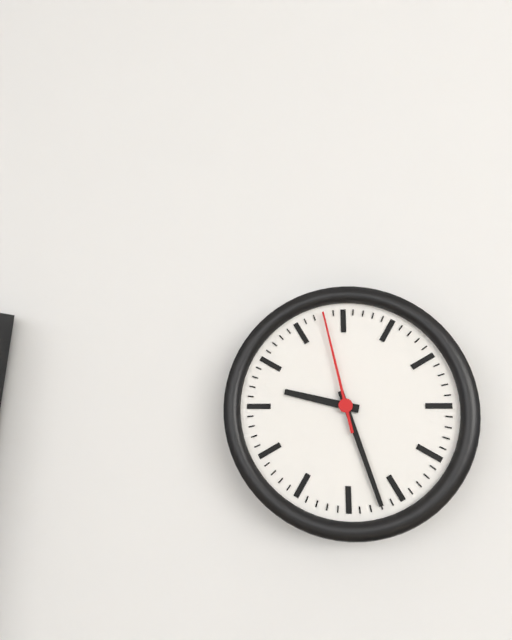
9.27.58
